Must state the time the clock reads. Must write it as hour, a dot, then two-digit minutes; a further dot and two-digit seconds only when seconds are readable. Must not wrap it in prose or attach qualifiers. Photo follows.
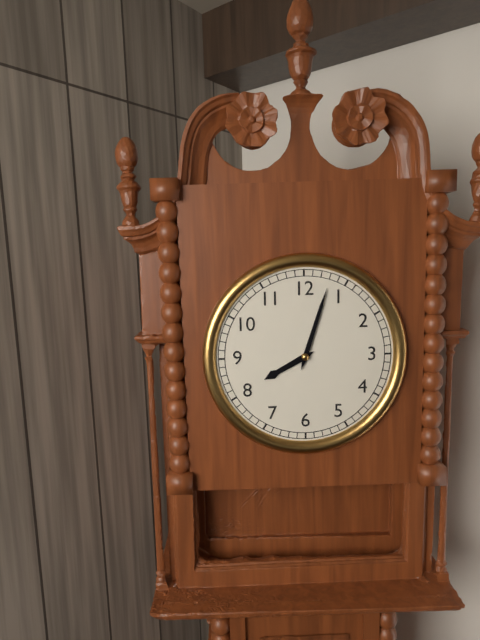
8.03
